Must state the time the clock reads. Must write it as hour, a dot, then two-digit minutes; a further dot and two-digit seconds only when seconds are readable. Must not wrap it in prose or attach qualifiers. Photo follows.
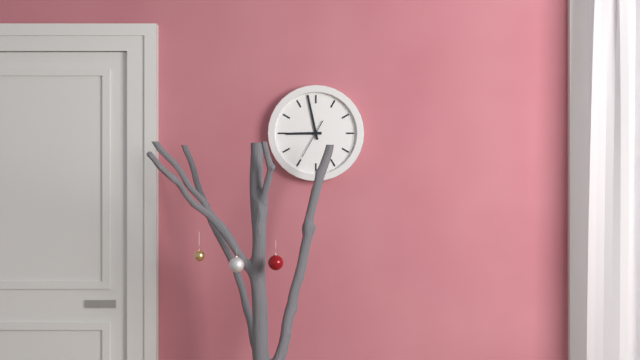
8.58
